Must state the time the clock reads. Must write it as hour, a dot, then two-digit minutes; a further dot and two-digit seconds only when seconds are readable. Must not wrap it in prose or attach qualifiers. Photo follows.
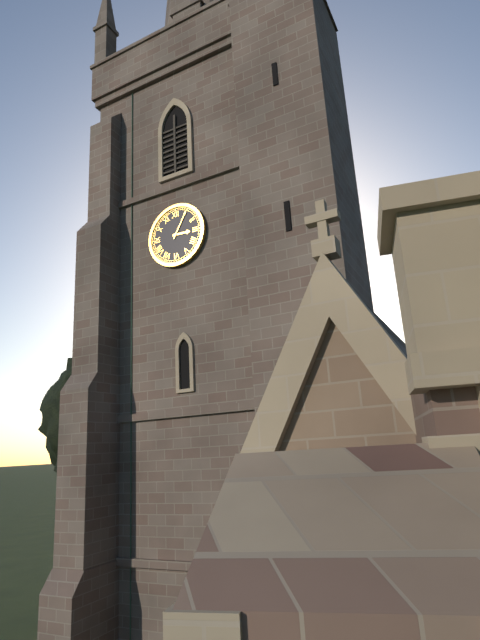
3.05
